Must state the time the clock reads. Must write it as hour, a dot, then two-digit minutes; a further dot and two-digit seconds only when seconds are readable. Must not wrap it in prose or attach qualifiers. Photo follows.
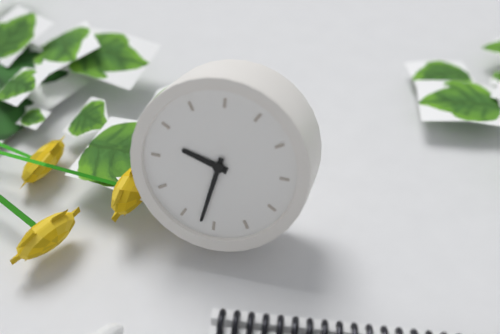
9.32
